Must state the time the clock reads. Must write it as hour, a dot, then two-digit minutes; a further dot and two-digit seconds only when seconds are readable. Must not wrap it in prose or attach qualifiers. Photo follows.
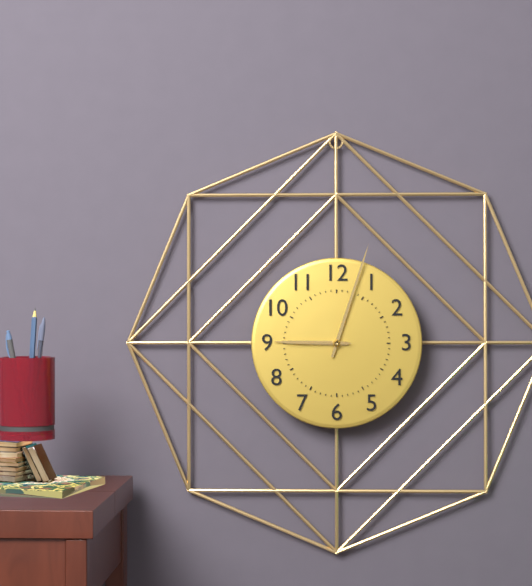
9.03.45
